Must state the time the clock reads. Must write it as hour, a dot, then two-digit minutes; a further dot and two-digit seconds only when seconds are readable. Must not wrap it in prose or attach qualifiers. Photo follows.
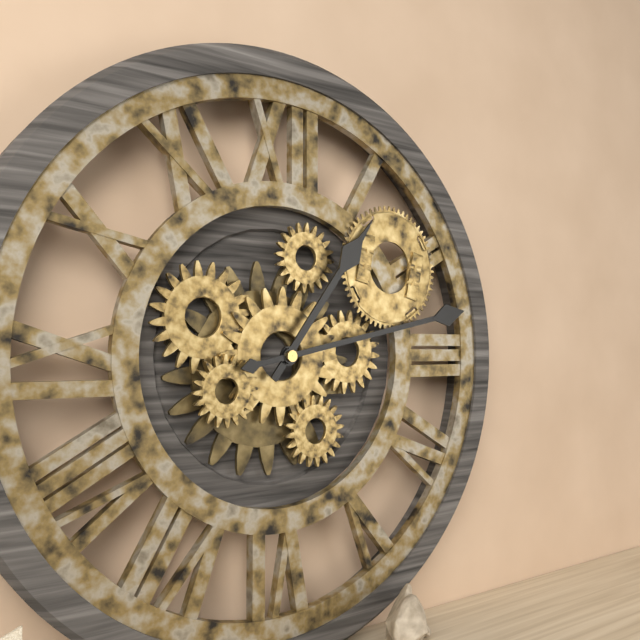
1.13
